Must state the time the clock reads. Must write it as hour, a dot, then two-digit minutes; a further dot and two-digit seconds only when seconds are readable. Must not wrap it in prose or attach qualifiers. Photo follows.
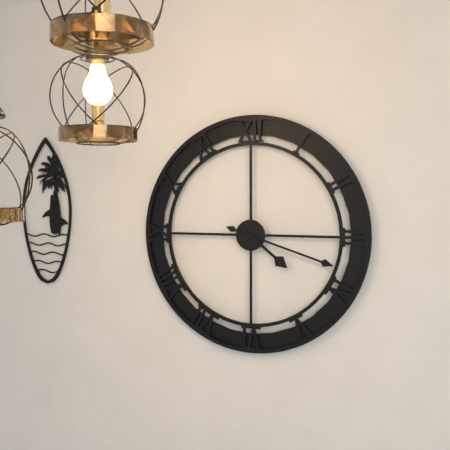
4.18
